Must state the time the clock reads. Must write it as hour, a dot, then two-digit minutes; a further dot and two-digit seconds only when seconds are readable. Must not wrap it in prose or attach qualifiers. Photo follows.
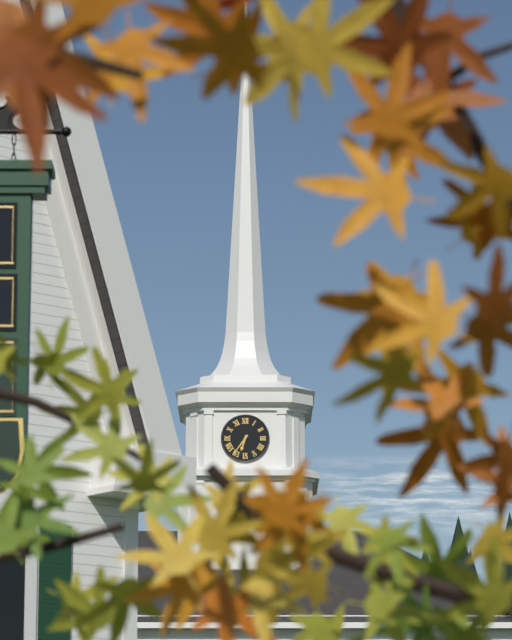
6.36
